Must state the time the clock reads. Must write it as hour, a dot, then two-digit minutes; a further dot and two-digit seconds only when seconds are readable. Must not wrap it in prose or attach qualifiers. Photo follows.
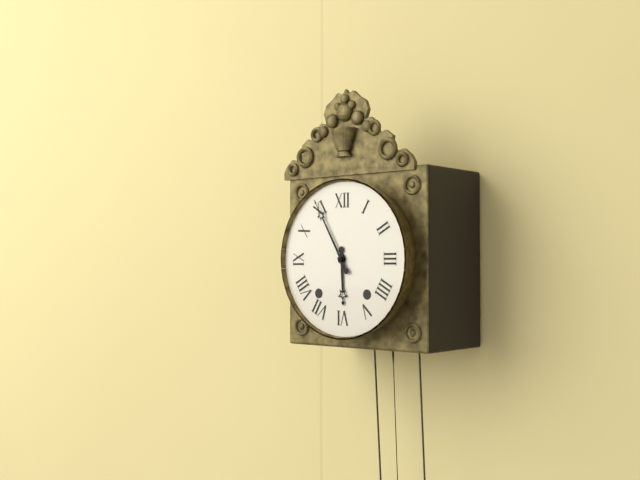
5.55
